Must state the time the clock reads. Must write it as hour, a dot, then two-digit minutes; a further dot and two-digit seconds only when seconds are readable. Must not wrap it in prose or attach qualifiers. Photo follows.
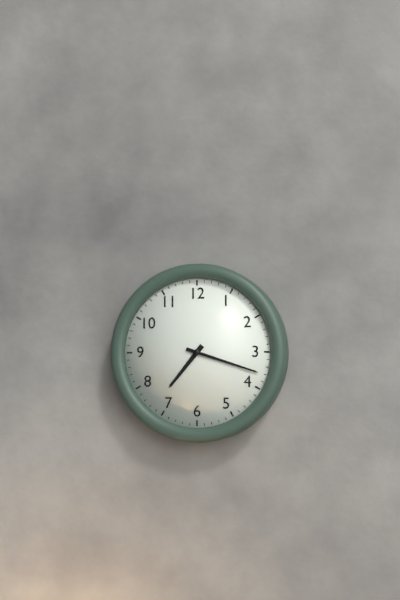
7.18
